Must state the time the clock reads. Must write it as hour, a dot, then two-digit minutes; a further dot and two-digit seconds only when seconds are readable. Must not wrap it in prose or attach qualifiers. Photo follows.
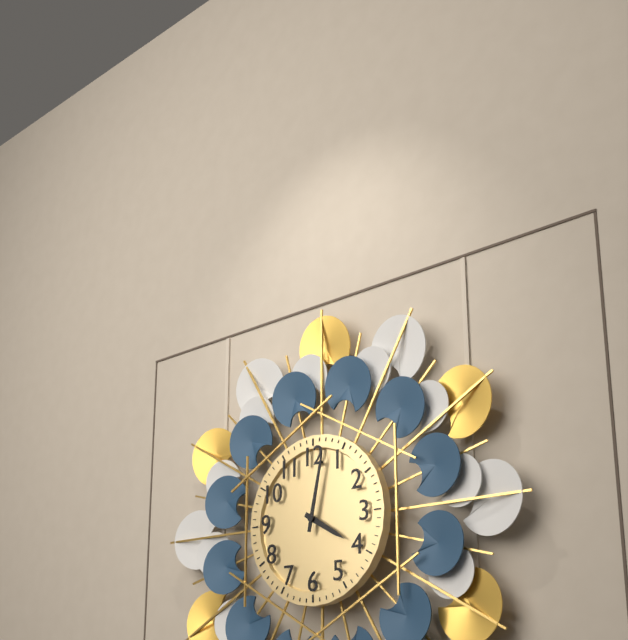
4.02
